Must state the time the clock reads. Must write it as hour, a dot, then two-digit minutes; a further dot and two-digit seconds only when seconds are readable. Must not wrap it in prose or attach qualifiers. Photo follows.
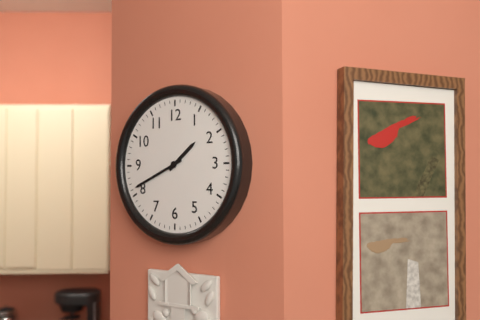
1.41
